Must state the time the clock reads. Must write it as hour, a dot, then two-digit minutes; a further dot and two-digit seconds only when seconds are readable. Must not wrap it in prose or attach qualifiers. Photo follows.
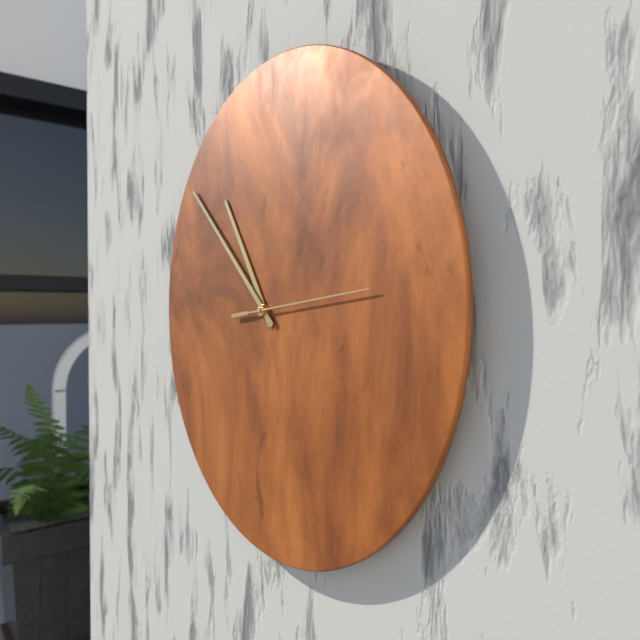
10.52.14
